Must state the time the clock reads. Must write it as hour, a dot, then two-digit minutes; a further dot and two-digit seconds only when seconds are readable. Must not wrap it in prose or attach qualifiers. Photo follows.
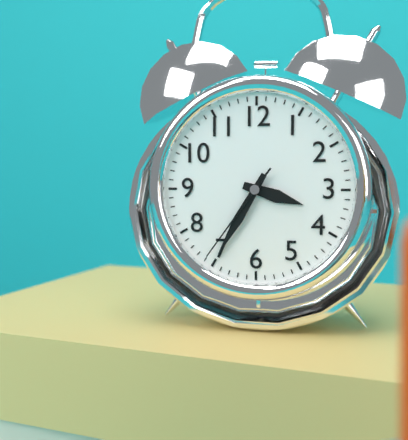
3.35.36
